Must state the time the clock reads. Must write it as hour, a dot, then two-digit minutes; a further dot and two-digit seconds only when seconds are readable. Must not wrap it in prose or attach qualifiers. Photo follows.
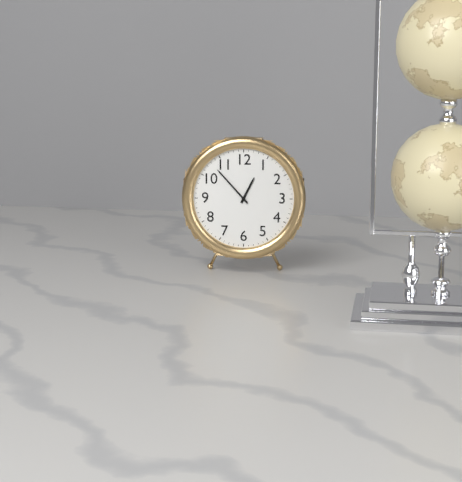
12.53
